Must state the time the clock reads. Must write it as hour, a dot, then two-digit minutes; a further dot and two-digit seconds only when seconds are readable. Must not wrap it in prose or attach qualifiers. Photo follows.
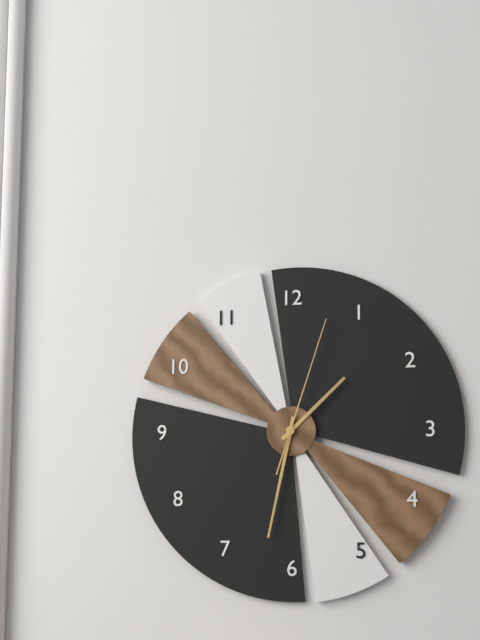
1.32.03
